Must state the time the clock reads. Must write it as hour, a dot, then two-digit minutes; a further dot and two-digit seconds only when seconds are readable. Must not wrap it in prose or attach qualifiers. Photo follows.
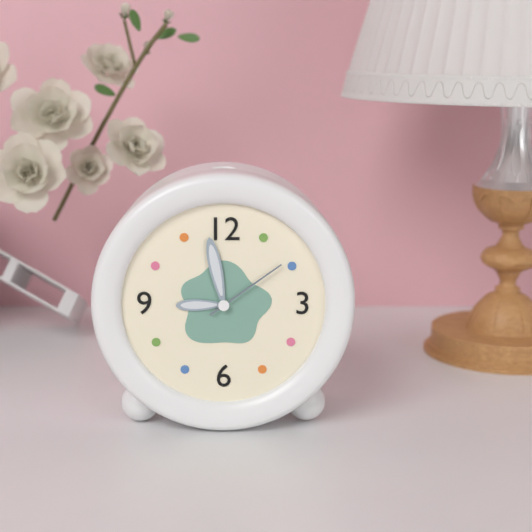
8.58.09
